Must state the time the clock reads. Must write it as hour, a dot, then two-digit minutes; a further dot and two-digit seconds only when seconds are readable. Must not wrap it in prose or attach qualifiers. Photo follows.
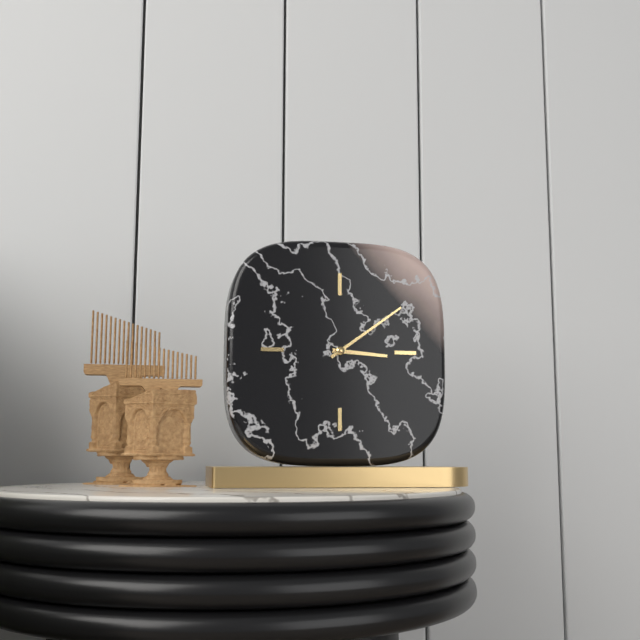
3.09
